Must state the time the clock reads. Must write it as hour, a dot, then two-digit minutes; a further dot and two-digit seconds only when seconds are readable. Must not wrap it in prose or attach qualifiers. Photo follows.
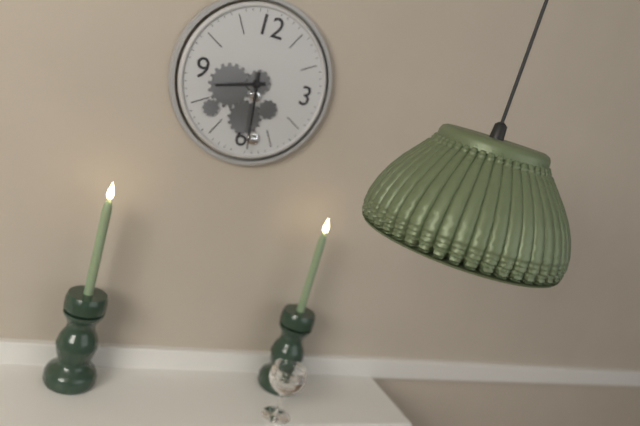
8.29
